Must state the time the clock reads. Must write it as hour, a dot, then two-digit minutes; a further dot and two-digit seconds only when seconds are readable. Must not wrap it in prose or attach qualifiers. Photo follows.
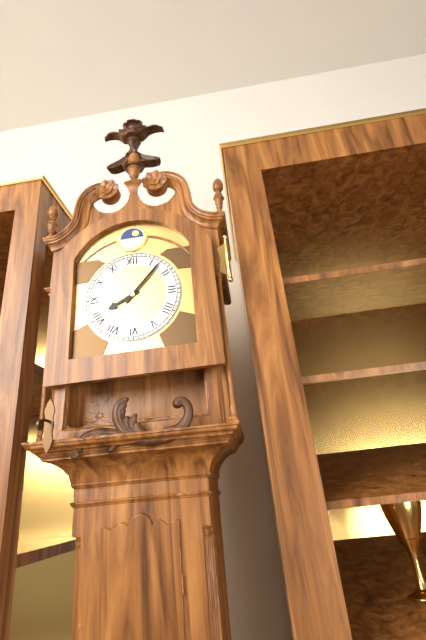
8.07
